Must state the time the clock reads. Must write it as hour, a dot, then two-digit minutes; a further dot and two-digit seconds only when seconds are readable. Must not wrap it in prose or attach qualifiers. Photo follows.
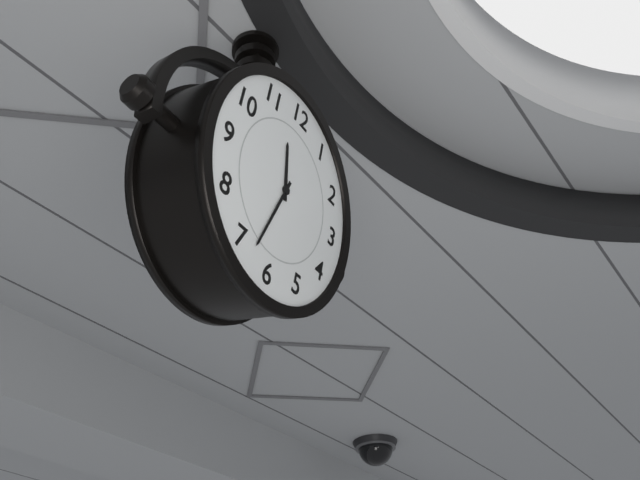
11.33
